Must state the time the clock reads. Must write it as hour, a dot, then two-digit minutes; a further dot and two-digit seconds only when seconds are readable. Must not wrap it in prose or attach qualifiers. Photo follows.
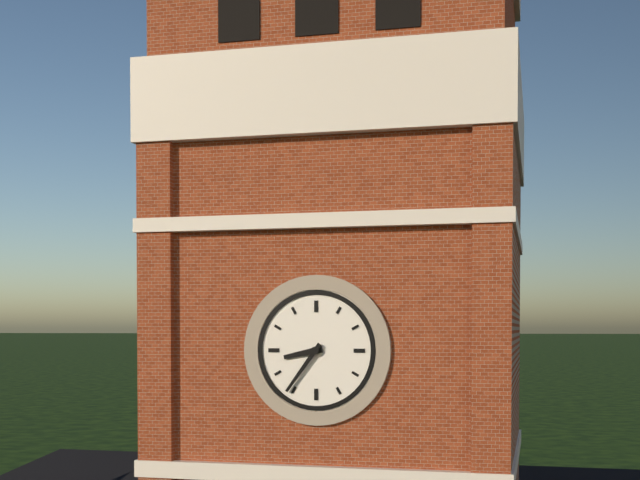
8.36
